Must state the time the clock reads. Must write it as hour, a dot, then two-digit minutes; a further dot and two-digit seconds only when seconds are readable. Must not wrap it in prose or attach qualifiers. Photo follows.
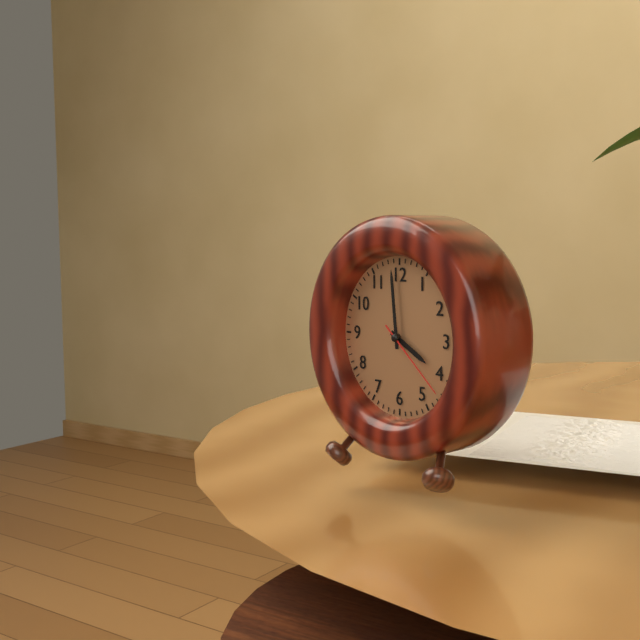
3.59.22
